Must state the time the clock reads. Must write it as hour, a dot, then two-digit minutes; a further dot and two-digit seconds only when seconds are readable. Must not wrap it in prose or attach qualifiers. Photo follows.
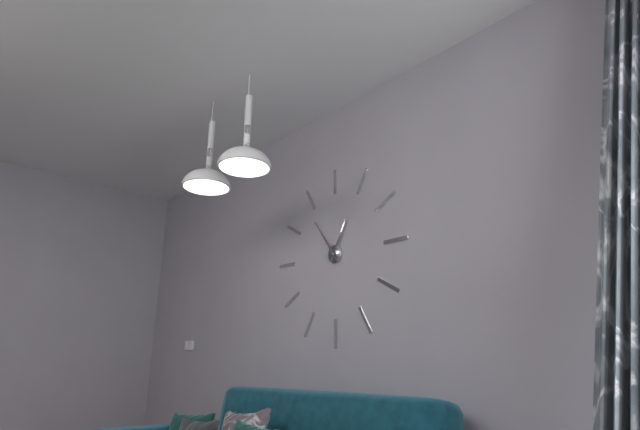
12.54
